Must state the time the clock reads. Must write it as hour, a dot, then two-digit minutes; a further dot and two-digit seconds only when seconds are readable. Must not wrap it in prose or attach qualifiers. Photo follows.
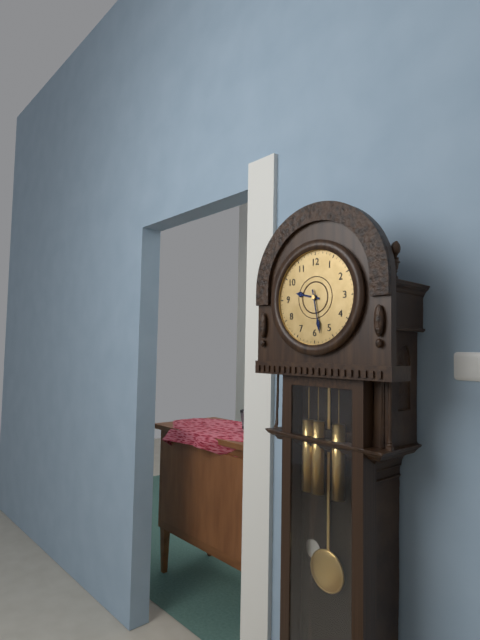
9.28
